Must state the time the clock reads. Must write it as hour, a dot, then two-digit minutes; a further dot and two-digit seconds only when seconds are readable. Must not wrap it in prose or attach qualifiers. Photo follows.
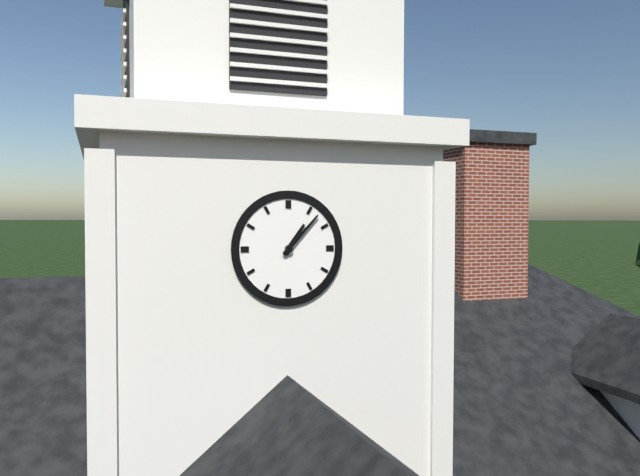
1.07
